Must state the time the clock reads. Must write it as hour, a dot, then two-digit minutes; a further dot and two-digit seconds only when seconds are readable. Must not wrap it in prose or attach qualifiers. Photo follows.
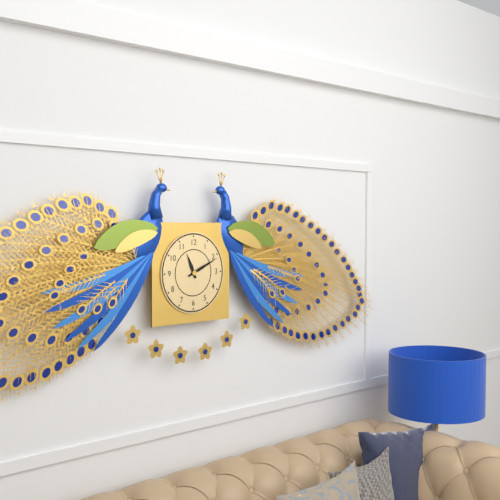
11.11
